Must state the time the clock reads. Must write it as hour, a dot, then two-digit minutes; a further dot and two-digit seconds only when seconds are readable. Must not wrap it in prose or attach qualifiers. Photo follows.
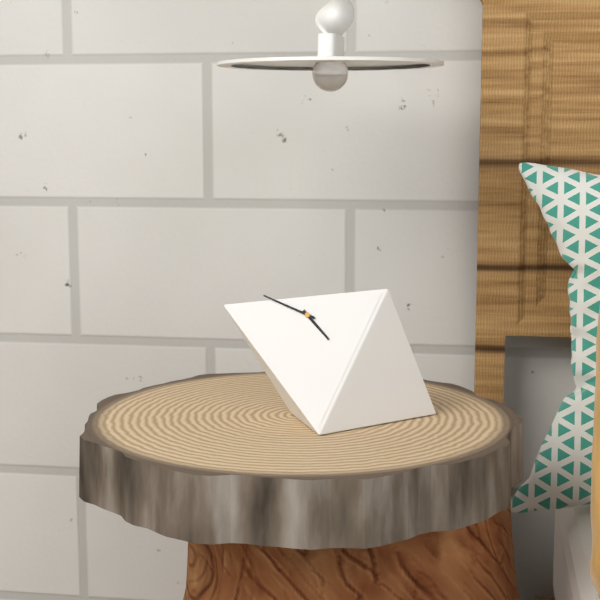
4.50
